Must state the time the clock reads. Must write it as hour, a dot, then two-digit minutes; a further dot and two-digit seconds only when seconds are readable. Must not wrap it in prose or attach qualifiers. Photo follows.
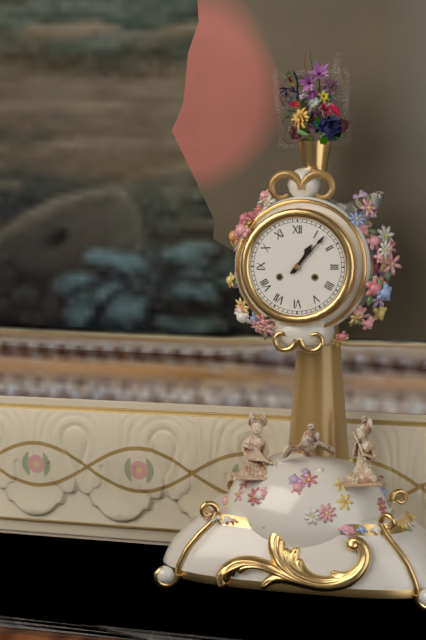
1.07
